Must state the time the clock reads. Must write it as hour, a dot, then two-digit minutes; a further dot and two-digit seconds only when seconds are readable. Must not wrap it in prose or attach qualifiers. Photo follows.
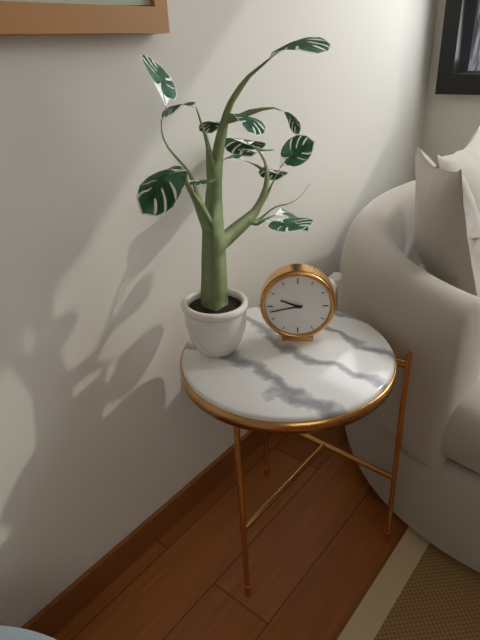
9.43
